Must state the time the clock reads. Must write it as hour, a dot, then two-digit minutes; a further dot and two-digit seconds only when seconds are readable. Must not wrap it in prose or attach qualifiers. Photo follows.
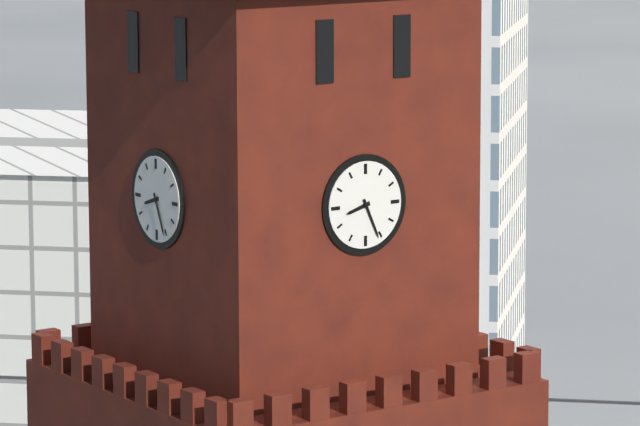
8.26
